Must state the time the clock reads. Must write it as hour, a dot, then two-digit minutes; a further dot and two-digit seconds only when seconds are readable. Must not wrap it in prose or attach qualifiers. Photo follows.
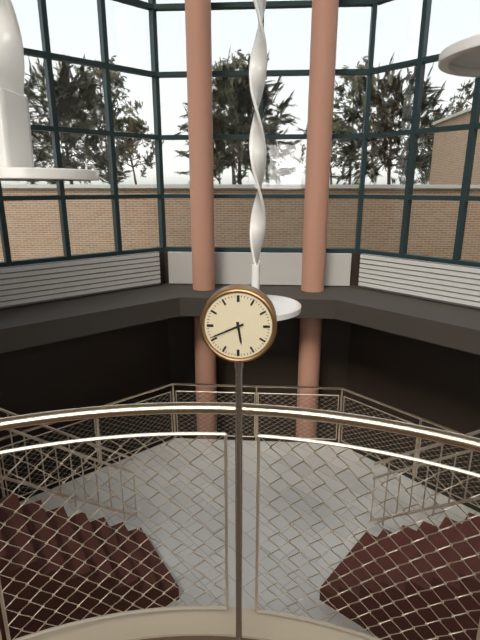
5.41
